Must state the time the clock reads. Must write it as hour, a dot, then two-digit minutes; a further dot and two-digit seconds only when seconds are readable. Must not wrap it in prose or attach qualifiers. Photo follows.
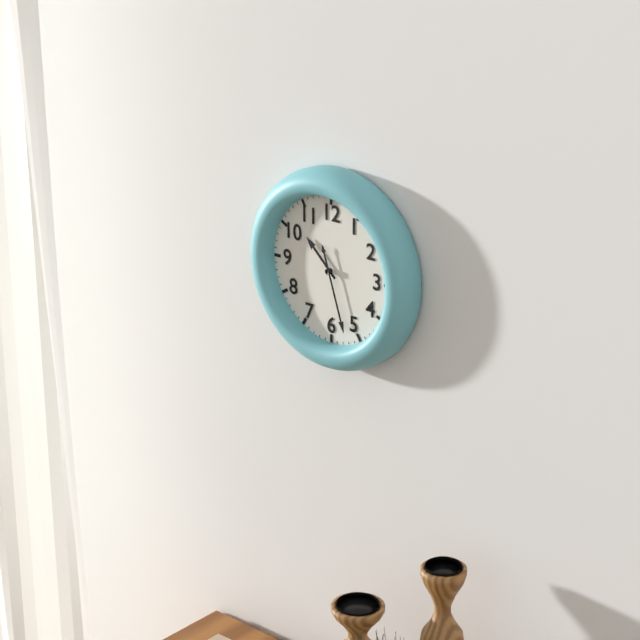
10.27
